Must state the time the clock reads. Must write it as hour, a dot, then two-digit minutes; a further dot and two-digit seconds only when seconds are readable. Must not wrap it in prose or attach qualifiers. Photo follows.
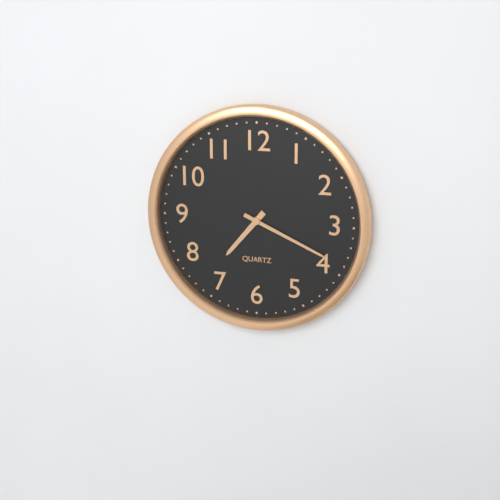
7.19
